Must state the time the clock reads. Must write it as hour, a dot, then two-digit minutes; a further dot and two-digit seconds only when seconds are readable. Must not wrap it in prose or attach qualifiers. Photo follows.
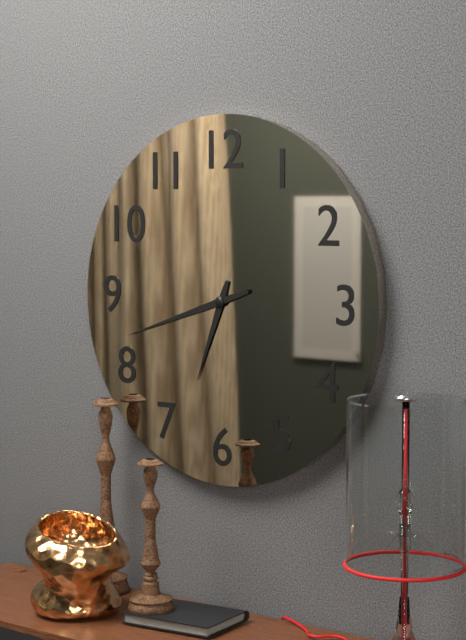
6.42
